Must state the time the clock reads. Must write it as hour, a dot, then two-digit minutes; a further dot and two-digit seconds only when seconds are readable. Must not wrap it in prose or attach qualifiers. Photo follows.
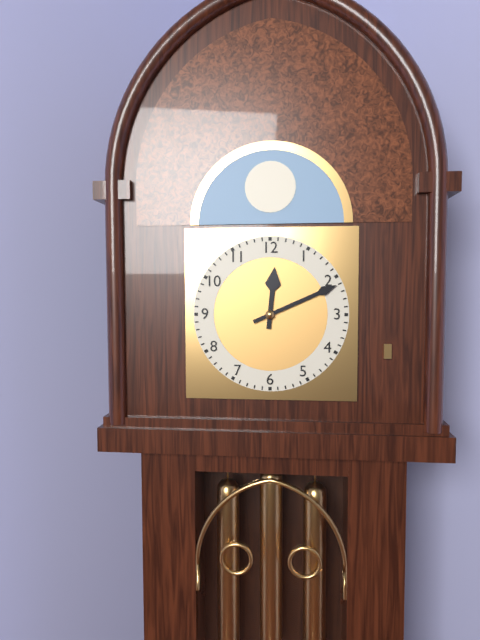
12.11
